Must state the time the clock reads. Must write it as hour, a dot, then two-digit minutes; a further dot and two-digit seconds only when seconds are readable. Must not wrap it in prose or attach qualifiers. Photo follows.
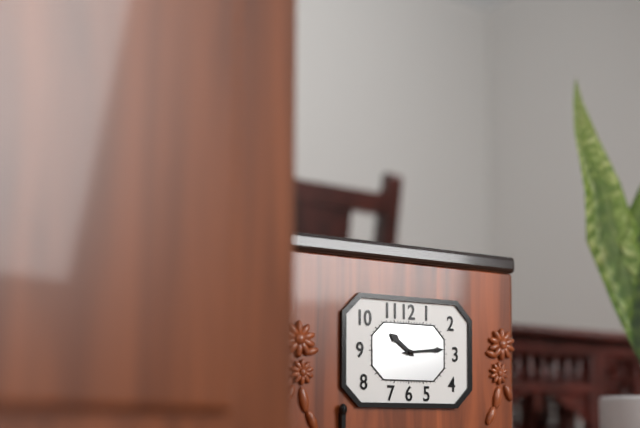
10.14
